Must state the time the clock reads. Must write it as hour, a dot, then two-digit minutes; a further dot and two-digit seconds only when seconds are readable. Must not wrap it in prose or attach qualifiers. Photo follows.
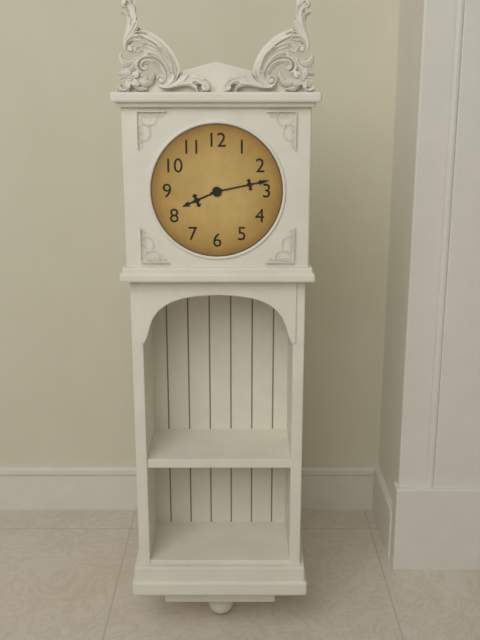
8.13
